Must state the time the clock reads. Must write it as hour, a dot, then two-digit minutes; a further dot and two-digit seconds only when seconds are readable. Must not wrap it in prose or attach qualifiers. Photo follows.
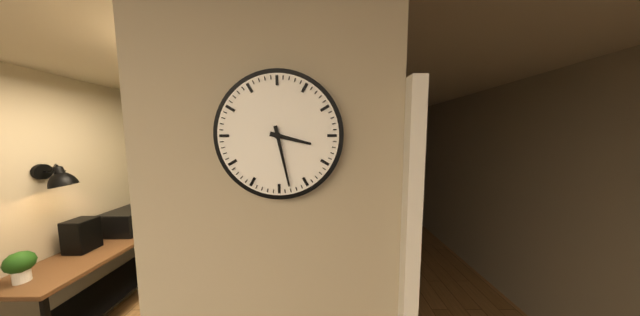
3.28
